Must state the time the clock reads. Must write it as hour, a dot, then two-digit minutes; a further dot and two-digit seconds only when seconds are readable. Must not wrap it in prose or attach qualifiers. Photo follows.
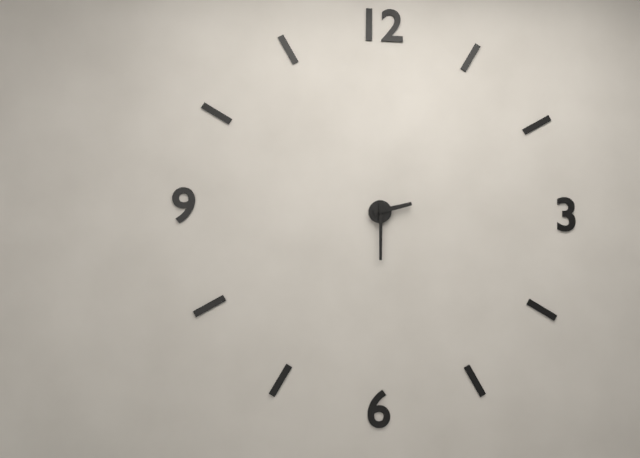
2.30
